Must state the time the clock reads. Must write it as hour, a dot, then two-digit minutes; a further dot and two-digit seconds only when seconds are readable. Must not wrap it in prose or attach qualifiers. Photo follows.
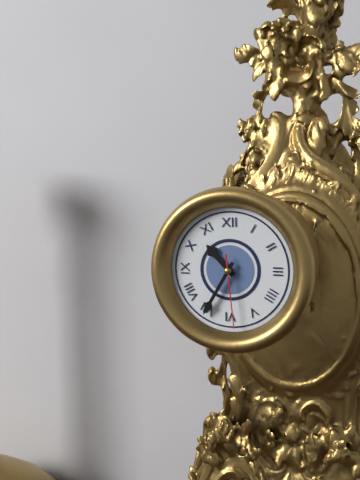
10.35.29
